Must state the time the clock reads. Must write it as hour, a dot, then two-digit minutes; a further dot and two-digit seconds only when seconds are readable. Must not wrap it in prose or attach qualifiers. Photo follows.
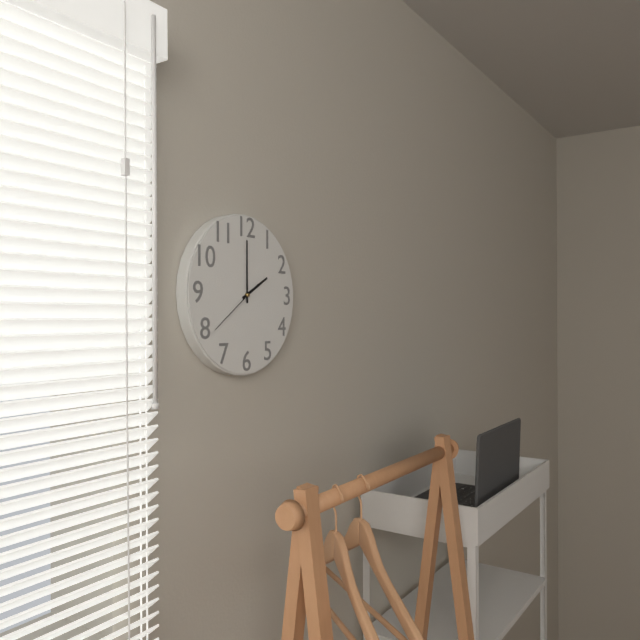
2.00.39
